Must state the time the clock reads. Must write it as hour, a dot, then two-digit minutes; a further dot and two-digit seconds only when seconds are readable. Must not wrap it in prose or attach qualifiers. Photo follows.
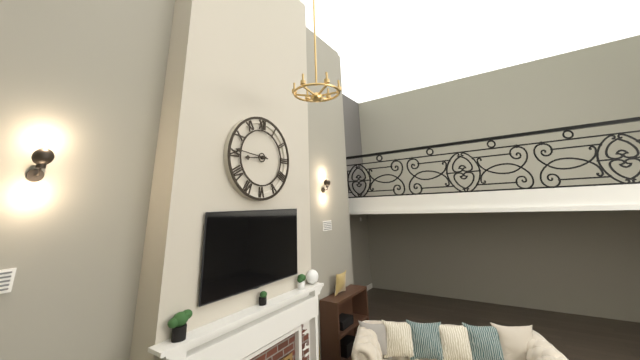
8.46
